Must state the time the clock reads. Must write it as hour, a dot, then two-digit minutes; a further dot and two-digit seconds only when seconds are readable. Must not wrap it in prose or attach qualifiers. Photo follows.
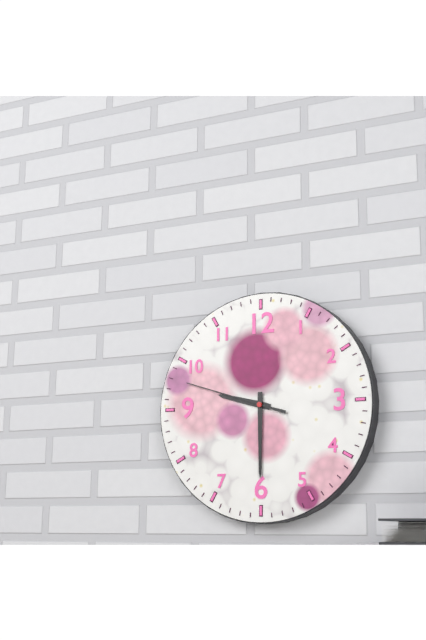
9.30.48
